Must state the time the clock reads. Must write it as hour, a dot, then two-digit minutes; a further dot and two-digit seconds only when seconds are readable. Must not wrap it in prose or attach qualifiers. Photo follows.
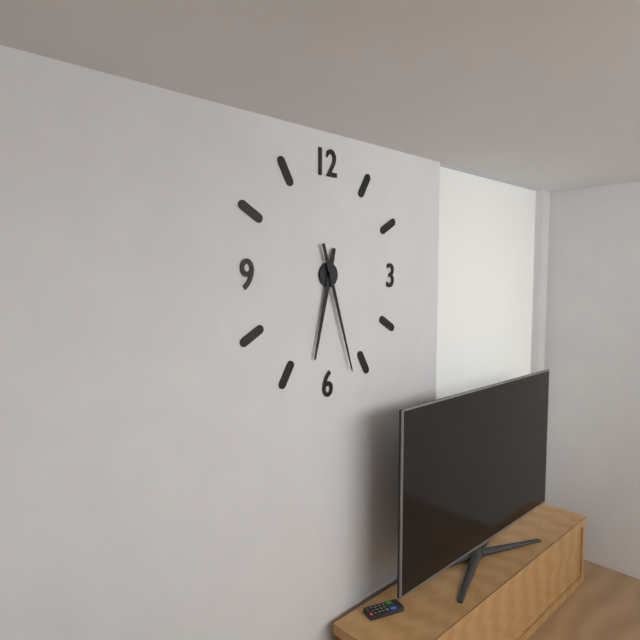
6.27
